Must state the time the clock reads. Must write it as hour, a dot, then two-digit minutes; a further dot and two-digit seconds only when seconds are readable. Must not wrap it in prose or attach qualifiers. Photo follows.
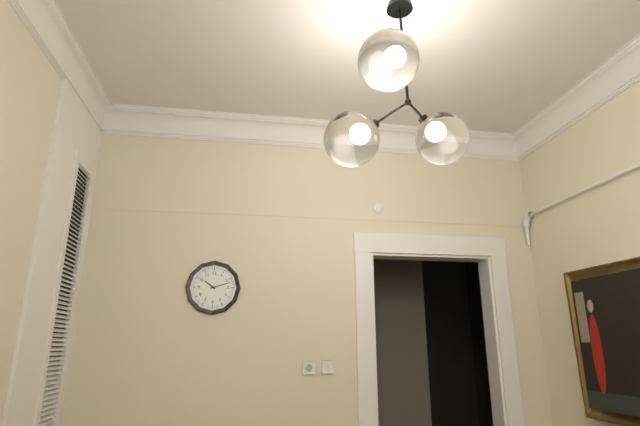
10.12
